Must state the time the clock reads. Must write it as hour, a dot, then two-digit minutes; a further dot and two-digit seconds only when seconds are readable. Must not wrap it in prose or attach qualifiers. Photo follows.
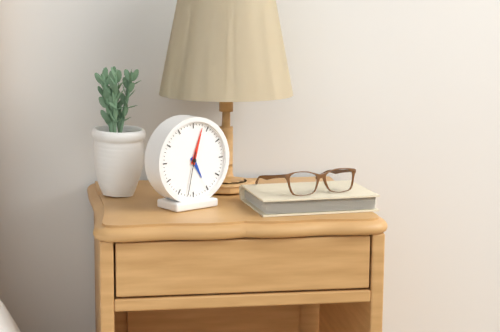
5.03
